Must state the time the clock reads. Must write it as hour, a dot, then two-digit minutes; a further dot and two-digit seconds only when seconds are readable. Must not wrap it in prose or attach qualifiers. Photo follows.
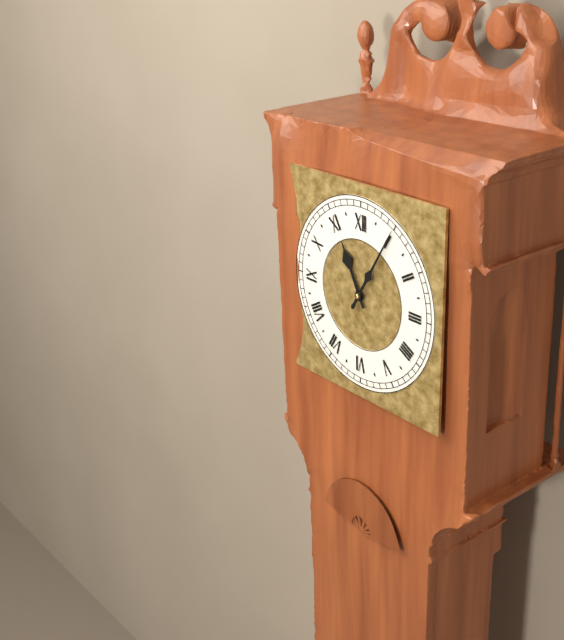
11.05
